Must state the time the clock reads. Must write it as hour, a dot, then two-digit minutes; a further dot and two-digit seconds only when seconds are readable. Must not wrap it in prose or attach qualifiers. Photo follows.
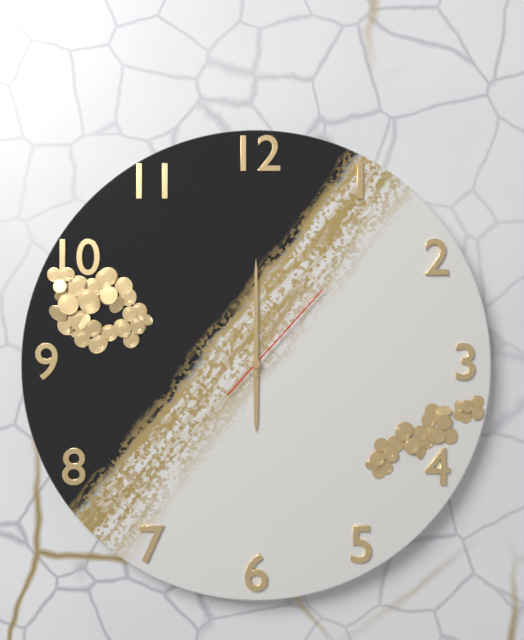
6.00.07
